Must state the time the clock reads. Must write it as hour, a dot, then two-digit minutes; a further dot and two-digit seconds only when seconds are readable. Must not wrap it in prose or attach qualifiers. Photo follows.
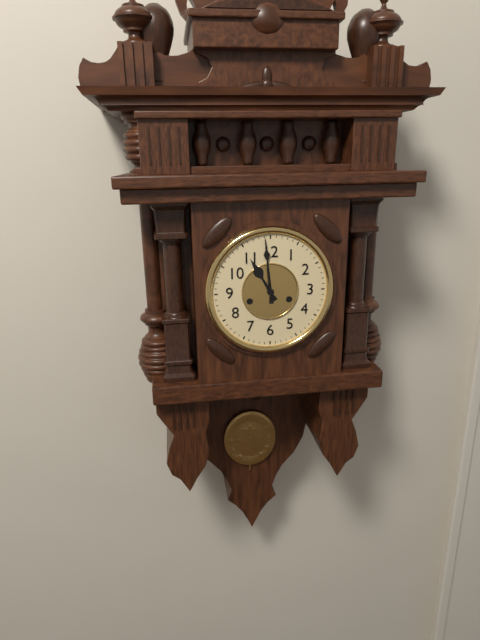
10.59
